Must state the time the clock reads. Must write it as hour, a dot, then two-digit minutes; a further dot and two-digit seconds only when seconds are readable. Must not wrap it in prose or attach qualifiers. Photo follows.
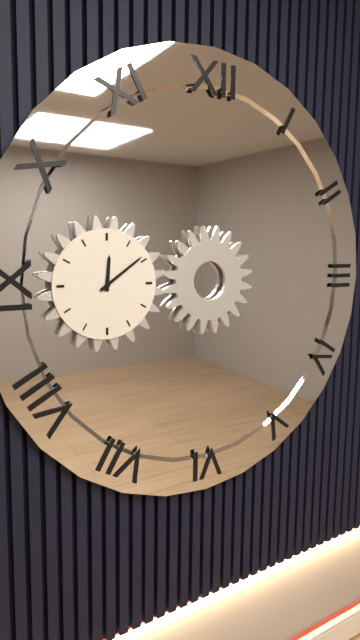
12.09
